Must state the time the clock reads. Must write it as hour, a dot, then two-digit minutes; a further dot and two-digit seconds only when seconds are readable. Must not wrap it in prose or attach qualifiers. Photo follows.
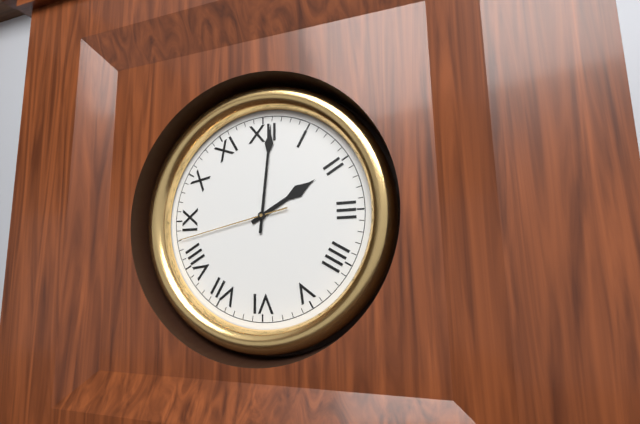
2.01.43
